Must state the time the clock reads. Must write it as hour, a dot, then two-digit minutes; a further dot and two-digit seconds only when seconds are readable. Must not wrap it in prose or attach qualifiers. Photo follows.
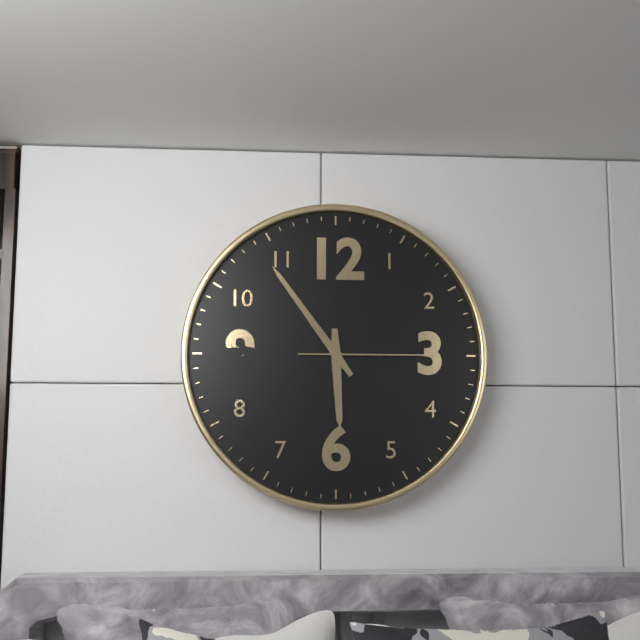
5.54.15
